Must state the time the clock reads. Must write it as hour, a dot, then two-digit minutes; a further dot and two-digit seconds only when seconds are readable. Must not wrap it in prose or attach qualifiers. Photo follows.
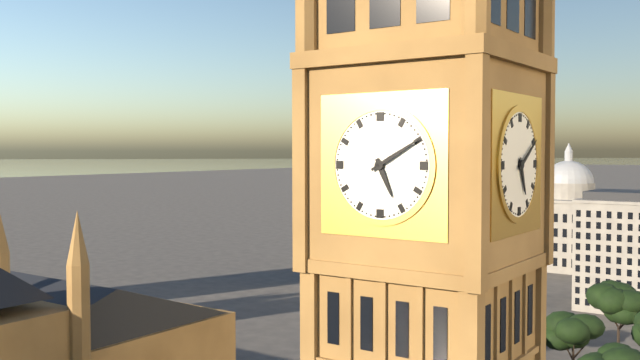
5.10
